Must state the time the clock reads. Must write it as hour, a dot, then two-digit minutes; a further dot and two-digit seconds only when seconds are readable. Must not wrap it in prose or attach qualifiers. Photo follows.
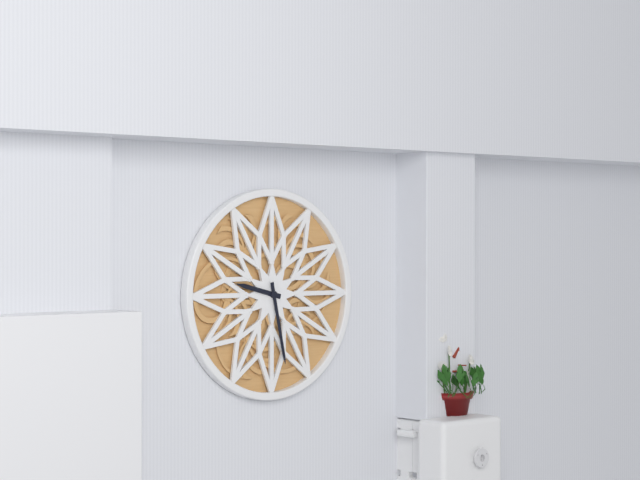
9.28
